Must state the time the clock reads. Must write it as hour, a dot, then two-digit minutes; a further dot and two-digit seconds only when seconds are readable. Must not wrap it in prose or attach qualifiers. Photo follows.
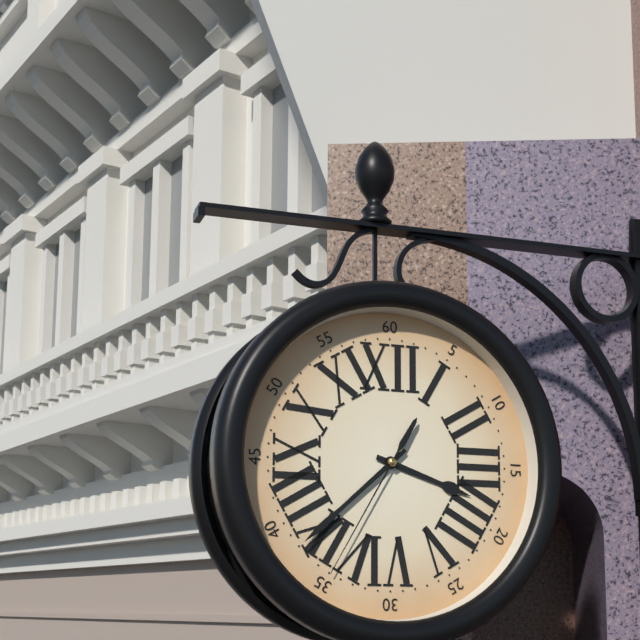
3.38.35
